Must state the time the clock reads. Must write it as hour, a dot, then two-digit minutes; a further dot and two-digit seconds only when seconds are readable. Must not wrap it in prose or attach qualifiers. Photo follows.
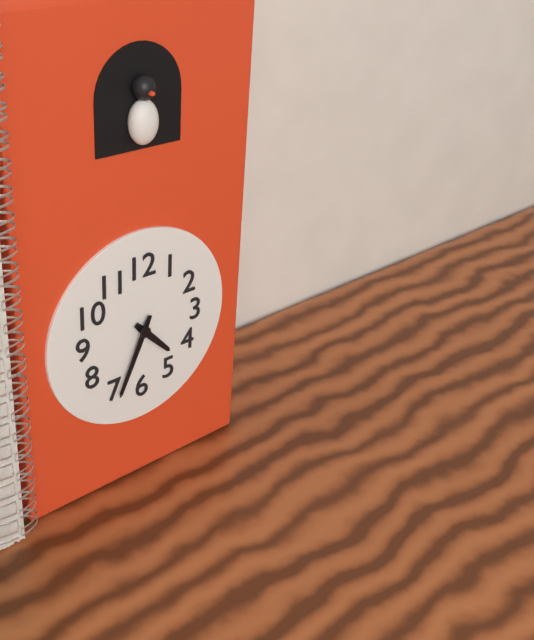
4.34
